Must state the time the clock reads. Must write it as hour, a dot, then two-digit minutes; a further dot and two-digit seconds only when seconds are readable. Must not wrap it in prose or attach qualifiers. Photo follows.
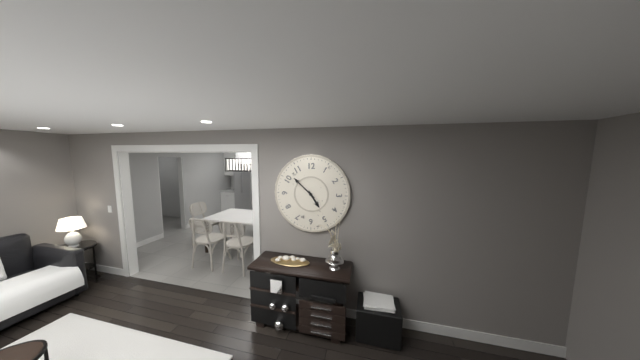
4.52
